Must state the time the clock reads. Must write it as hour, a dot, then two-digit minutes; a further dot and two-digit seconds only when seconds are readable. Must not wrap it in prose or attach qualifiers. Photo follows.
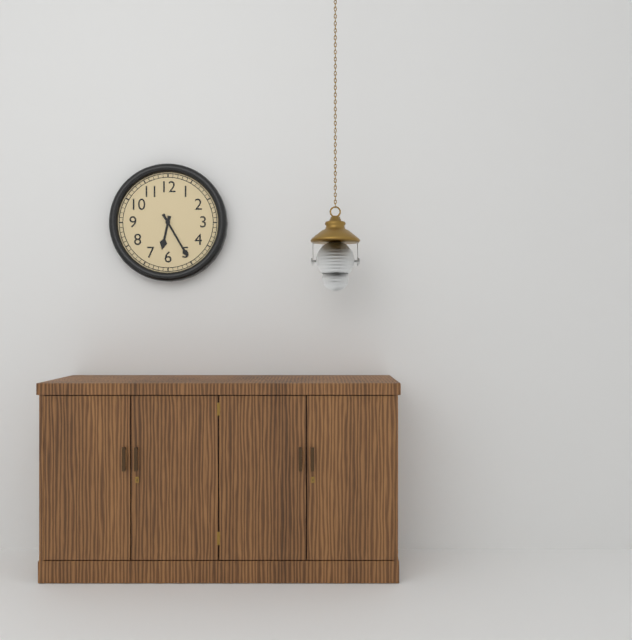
6.25
